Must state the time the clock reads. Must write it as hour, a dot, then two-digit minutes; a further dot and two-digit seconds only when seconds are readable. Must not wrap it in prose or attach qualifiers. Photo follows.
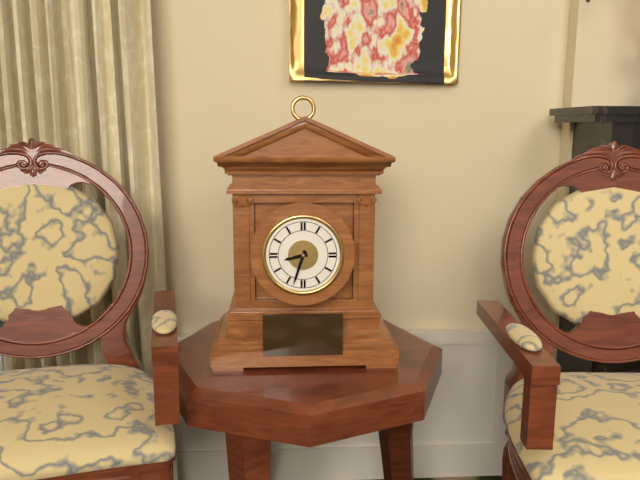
8.33
